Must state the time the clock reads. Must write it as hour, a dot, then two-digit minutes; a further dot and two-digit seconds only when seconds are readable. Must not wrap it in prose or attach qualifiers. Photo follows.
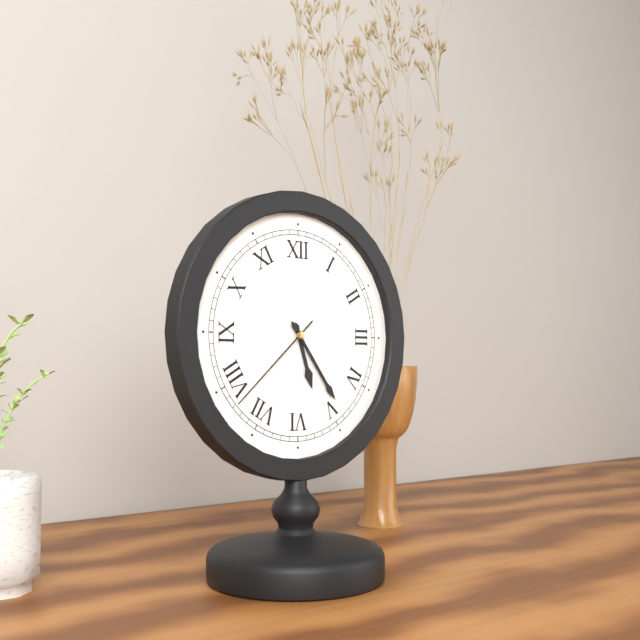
5.24.38
